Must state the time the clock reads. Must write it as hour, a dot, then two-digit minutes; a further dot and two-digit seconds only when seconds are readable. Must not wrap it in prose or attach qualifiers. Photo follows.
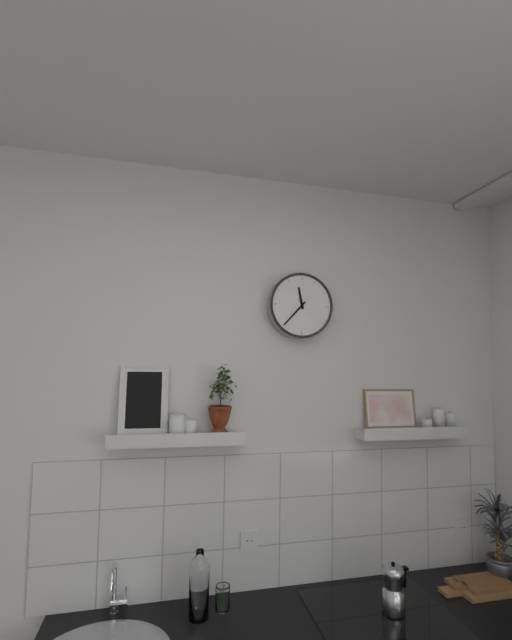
11.37
